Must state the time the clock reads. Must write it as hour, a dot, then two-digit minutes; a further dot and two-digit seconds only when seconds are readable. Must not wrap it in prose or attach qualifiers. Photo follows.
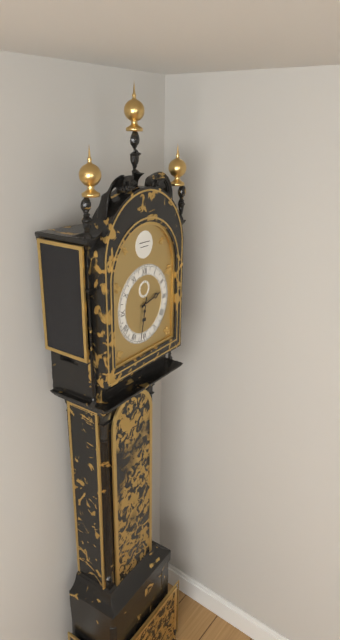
2.32
